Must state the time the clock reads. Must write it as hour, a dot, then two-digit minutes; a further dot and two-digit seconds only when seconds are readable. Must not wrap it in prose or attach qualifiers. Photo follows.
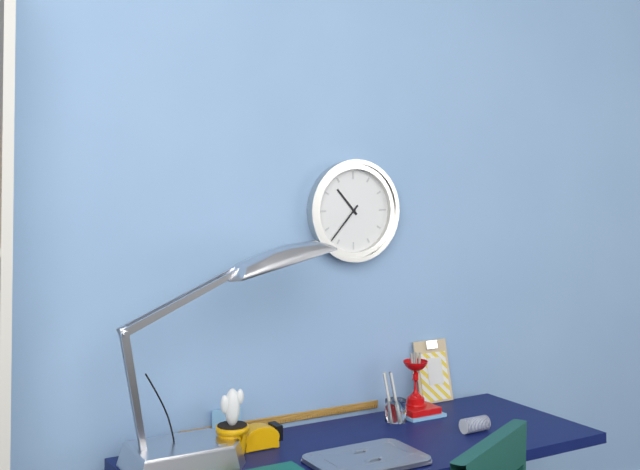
10.37
